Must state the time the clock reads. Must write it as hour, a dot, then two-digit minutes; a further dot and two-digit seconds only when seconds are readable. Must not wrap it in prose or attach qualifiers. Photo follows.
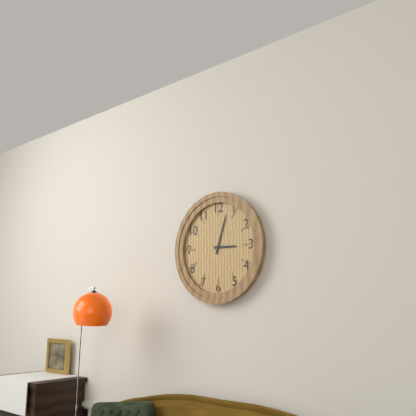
3.03
